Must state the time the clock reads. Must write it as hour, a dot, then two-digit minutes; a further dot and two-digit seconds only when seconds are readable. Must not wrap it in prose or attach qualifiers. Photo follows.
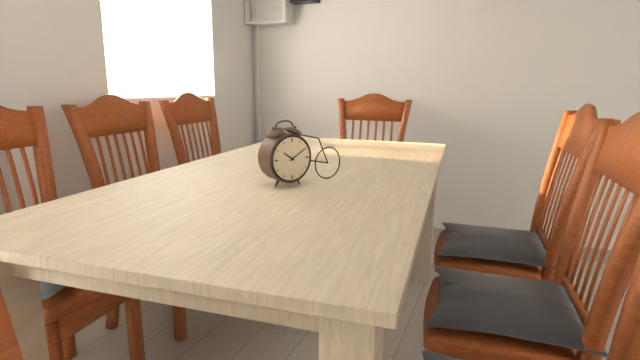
10.10
